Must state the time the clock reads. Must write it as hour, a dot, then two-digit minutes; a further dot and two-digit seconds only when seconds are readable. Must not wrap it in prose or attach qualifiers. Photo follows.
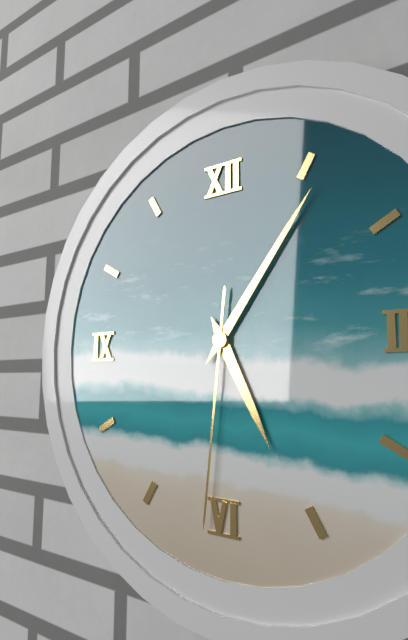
5.06.31
